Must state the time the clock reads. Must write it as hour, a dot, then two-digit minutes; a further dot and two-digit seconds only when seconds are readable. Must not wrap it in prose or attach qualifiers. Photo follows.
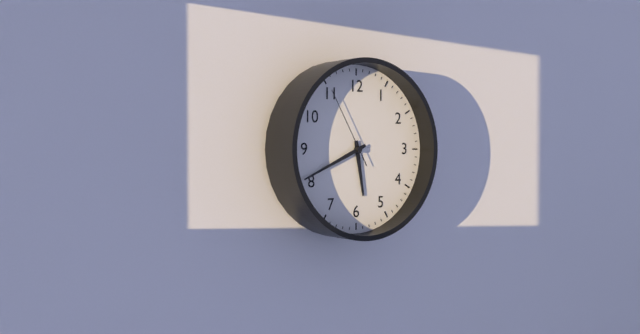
5.41.55
